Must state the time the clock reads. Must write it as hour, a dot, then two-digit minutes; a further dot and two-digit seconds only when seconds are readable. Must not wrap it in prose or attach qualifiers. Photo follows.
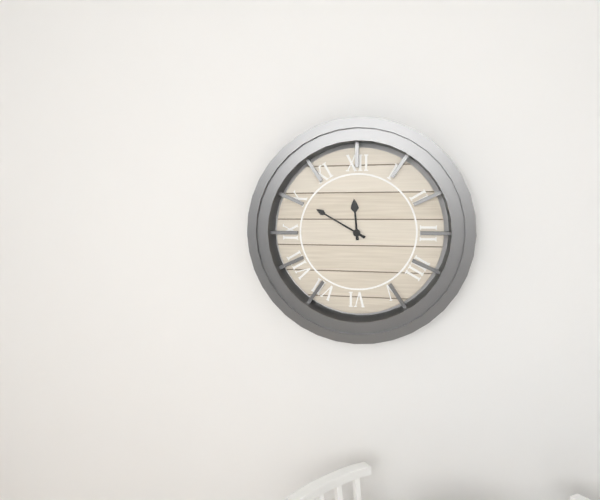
11.50
